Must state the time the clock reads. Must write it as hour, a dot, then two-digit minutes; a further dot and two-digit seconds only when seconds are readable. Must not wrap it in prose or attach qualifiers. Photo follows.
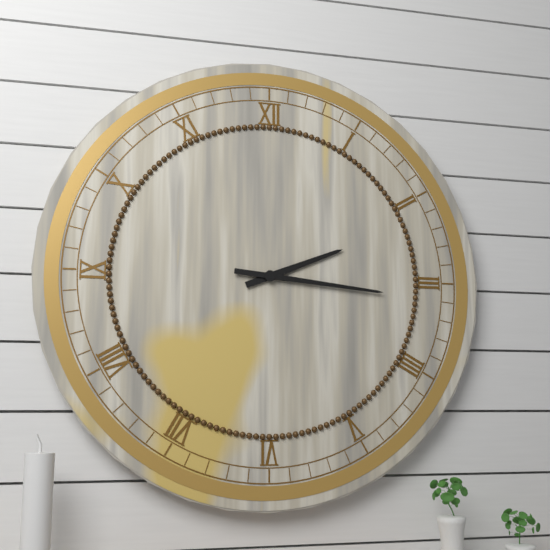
2.16
